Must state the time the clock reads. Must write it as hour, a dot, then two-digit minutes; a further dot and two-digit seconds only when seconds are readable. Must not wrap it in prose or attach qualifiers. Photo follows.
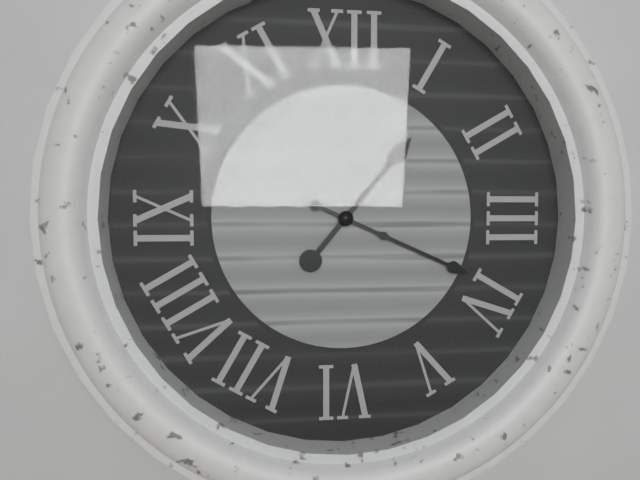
1.19
